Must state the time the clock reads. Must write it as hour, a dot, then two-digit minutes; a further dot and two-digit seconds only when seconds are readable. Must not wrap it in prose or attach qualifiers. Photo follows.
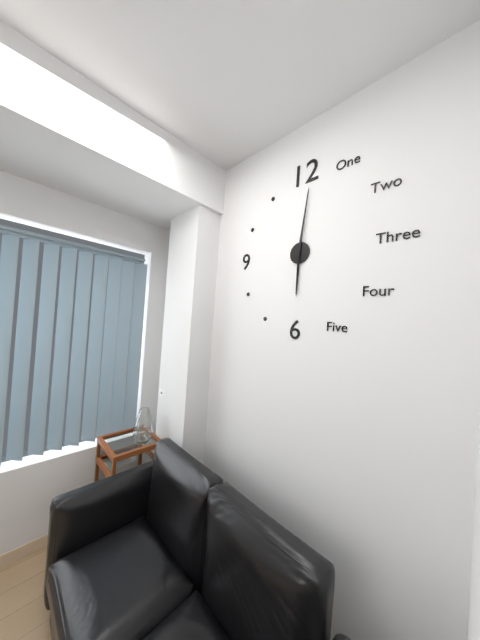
6.01
